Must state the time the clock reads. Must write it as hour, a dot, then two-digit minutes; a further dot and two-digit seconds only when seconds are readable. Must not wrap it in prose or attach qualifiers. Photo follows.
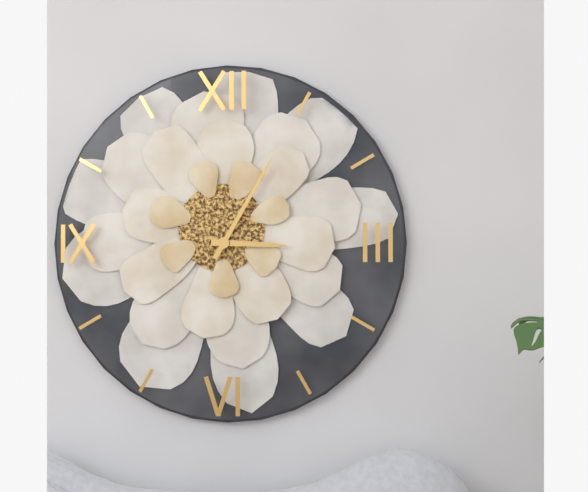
3.05
